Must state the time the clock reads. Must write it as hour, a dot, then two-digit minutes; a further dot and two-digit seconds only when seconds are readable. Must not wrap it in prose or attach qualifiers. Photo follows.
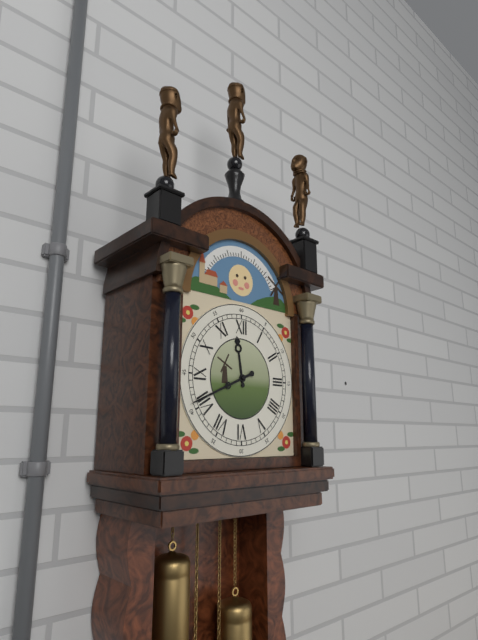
11.41
